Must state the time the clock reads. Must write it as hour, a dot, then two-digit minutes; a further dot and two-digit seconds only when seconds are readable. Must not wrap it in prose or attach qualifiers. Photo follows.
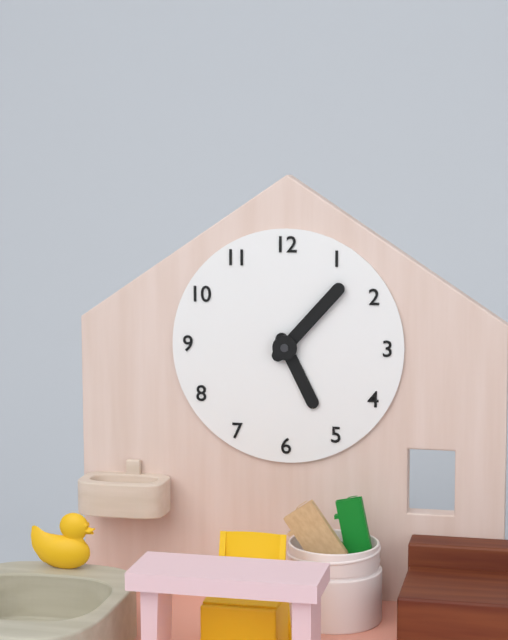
5.07
